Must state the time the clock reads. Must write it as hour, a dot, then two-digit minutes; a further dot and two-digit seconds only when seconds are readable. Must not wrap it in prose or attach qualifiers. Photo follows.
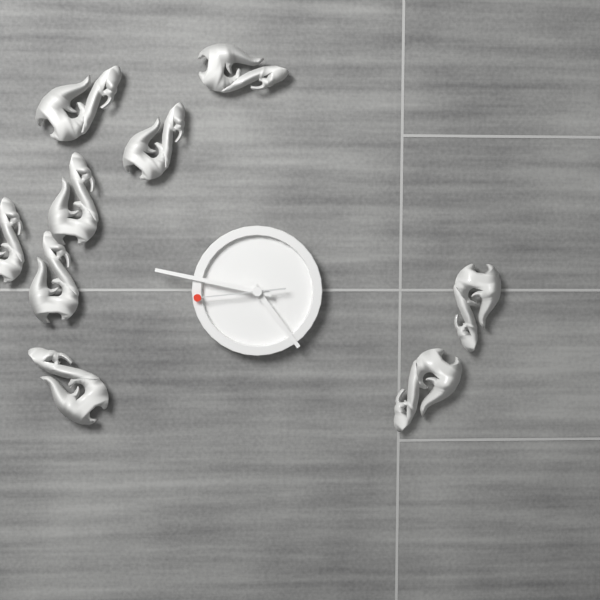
4.47.44
